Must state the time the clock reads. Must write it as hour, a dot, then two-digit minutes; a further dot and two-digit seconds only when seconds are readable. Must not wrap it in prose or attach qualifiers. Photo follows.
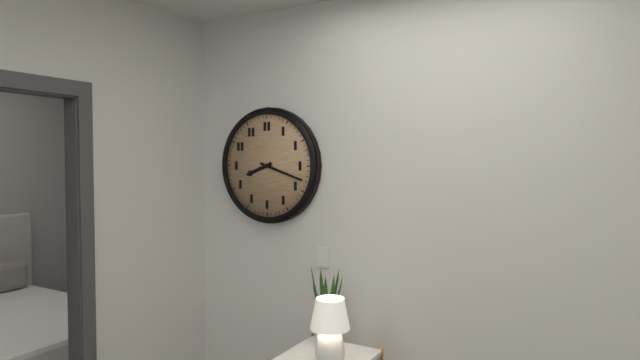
8.18
